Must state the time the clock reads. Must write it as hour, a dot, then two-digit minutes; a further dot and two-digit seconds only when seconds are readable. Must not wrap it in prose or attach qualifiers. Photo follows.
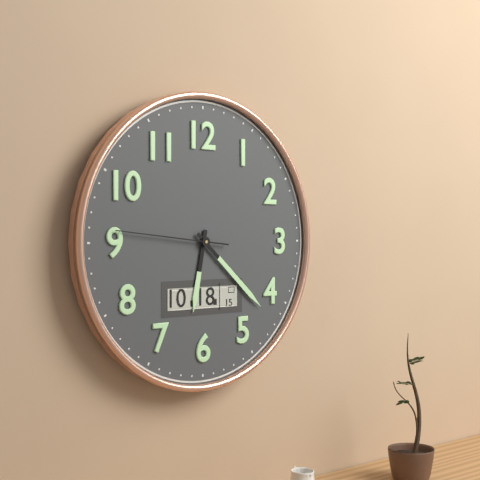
6.22.46
